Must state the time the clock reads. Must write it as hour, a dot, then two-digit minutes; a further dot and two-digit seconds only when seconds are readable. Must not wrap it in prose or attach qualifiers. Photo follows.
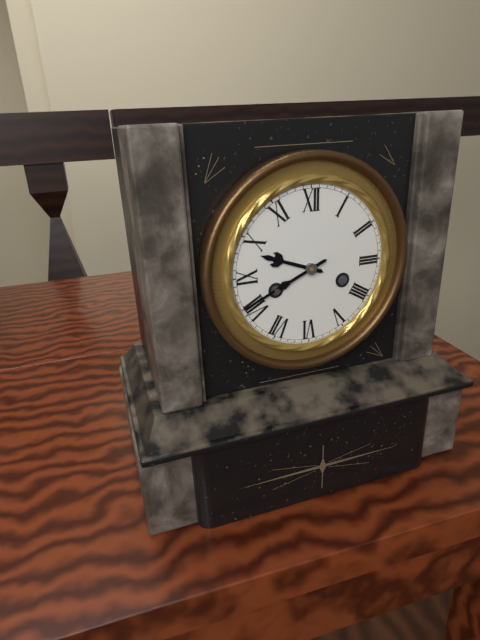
9.41
